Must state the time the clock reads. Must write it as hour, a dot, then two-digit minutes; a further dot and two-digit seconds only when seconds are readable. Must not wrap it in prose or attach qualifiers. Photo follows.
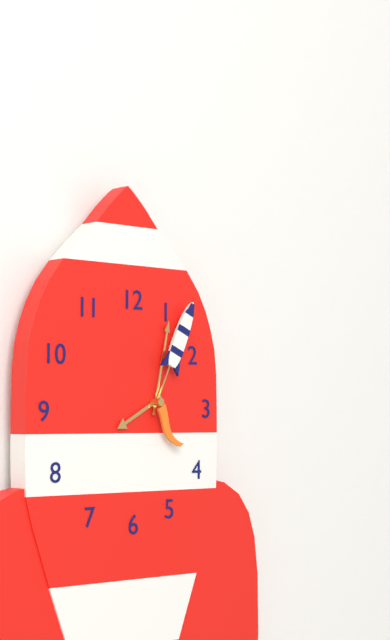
8.02.04
